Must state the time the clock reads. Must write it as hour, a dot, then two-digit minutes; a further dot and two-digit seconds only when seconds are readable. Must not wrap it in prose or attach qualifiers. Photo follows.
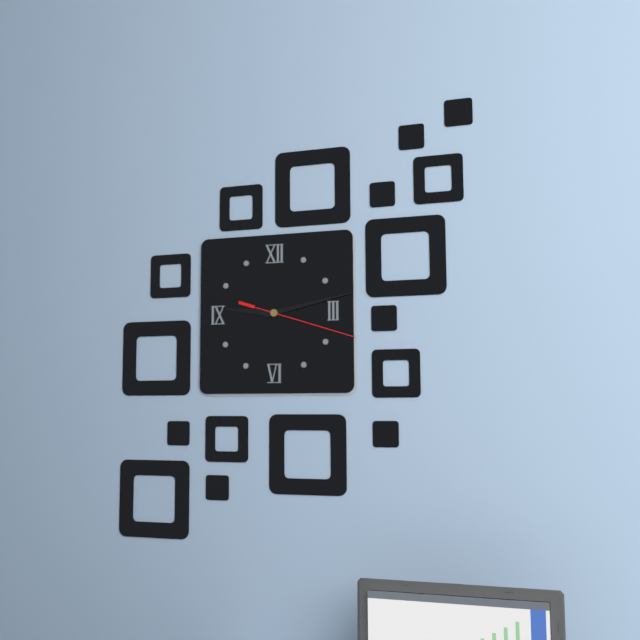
9.13.18
